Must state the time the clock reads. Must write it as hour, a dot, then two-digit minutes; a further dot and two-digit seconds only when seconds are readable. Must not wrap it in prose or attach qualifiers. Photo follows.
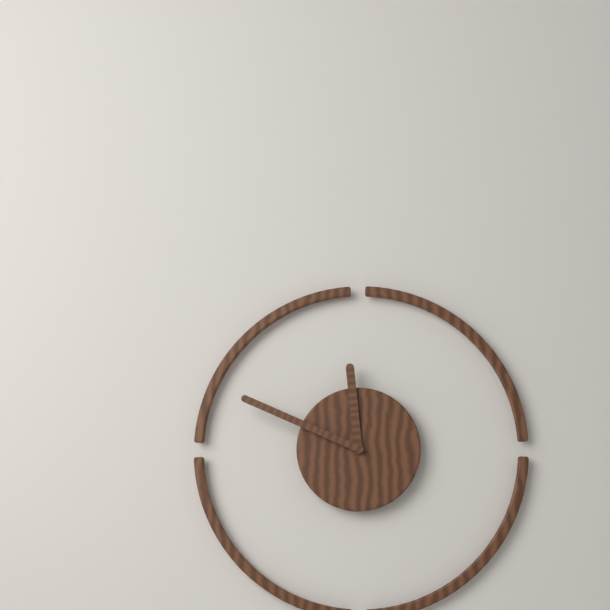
11.49
